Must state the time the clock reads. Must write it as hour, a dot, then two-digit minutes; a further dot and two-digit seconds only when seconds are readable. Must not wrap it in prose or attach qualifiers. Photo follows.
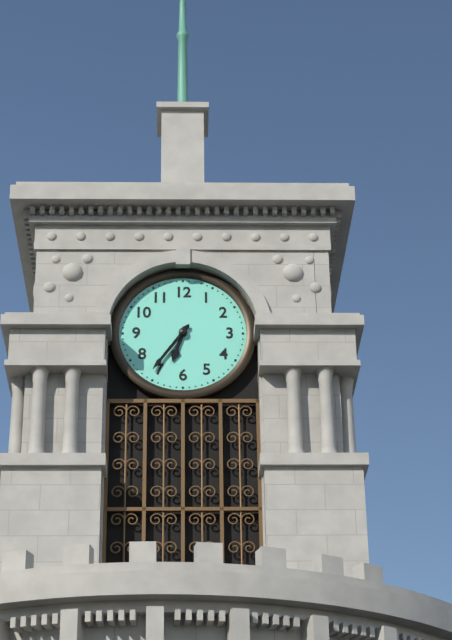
6.36
